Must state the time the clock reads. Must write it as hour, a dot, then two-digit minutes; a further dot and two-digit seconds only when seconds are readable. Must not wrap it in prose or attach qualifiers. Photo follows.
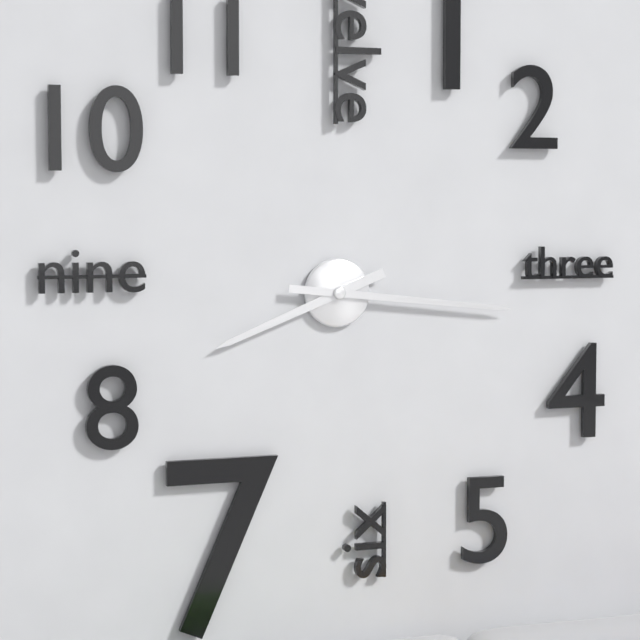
8.16
